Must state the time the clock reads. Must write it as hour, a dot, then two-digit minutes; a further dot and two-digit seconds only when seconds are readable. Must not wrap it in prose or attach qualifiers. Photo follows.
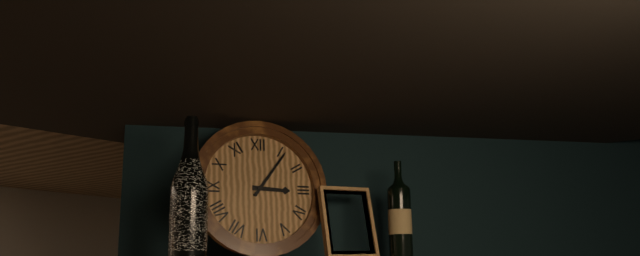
3.06
